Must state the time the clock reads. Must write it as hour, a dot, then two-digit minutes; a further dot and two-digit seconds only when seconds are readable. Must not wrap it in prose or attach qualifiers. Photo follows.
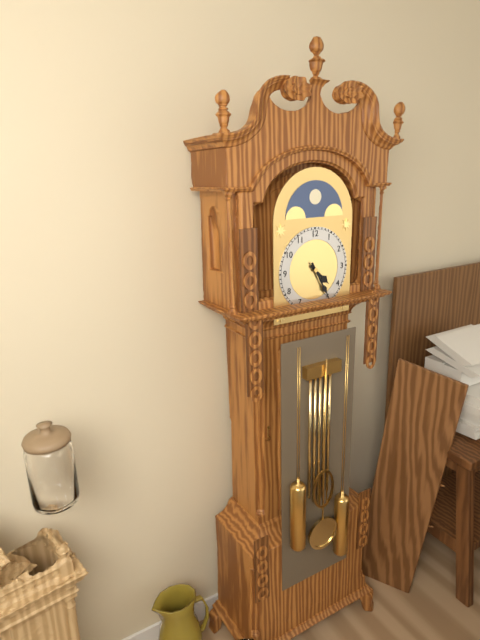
4.25
